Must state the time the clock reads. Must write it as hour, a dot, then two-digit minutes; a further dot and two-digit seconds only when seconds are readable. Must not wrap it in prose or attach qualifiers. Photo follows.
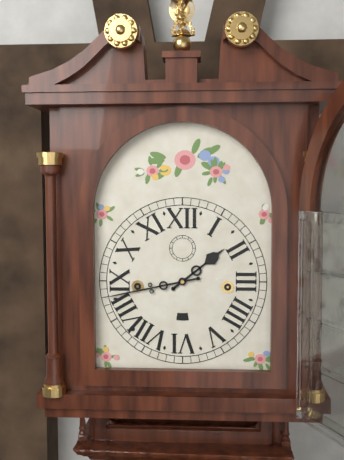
1.43
